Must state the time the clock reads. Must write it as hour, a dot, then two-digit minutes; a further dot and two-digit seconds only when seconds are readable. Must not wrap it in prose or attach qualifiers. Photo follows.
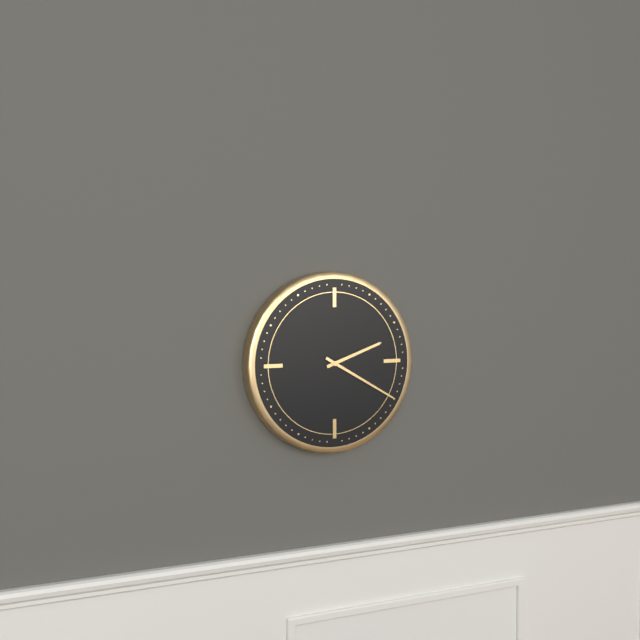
2.20
